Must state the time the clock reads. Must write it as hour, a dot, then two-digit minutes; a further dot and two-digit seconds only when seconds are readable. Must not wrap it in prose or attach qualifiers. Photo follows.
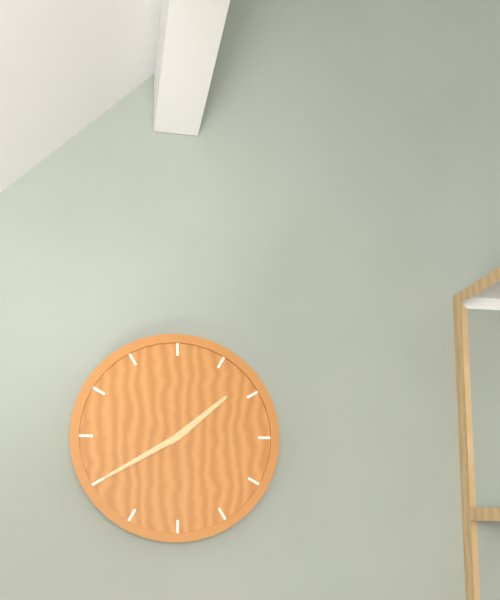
1.40
